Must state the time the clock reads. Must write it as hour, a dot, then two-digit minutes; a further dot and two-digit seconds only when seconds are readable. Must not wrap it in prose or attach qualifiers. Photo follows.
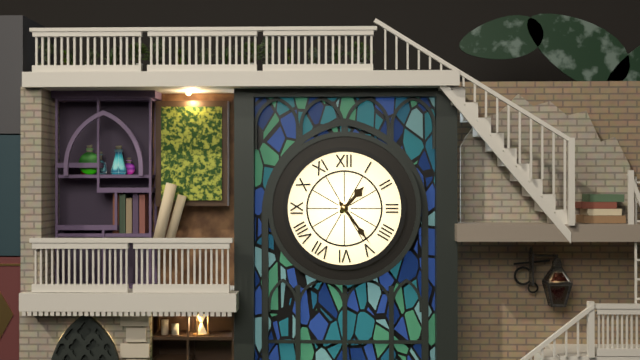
1.24
